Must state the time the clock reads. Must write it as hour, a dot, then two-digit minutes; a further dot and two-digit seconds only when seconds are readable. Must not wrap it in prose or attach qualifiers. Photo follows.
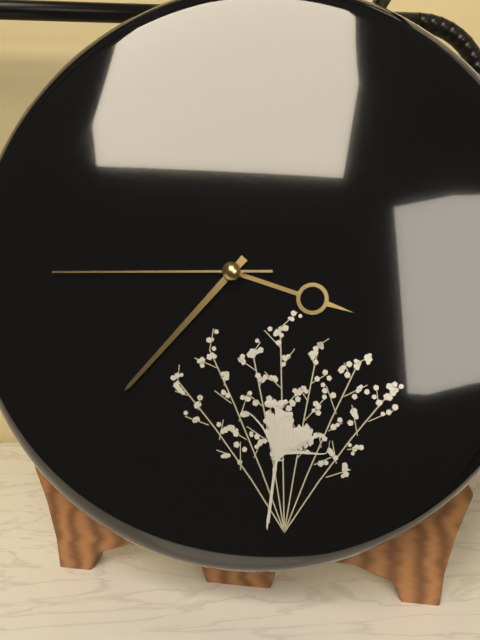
3.37.45
